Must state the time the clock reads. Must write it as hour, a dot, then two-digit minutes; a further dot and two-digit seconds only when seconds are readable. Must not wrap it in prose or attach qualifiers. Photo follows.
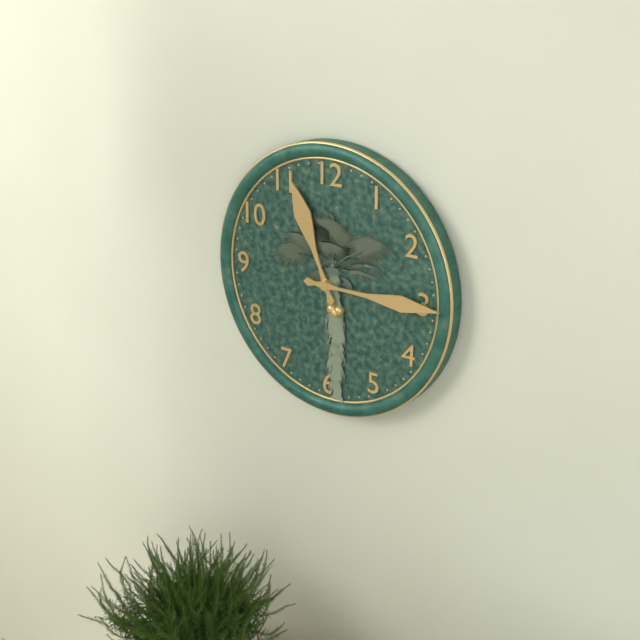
11.15
